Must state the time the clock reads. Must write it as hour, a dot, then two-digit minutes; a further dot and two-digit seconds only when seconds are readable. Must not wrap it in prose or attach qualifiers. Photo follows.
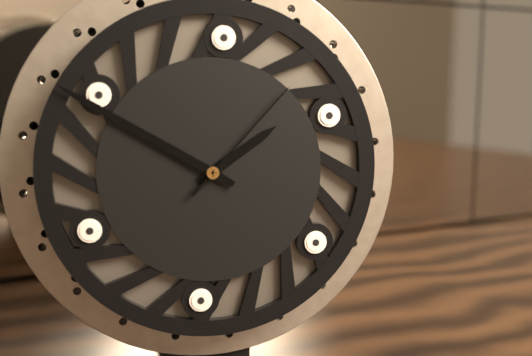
1.50.07
